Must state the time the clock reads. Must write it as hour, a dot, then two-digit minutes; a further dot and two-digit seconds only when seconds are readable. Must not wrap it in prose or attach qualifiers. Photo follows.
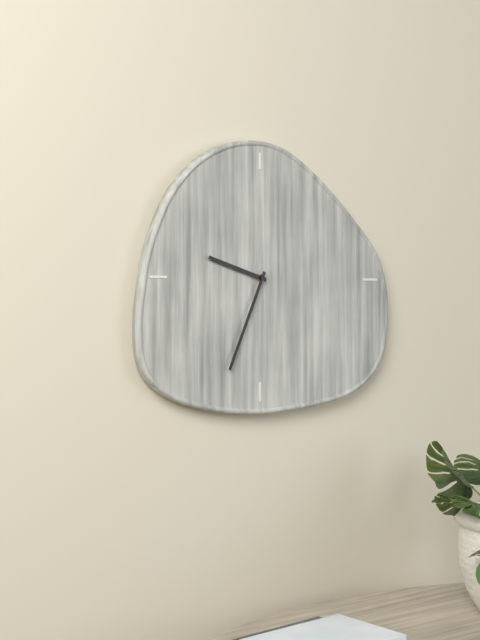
9.34
